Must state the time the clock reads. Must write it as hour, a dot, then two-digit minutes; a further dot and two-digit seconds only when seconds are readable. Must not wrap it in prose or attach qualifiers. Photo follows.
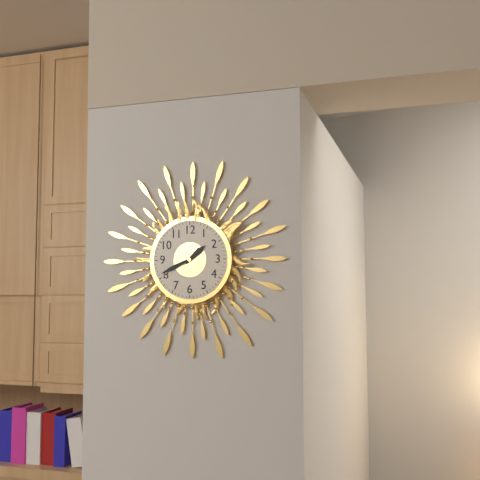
1.41
